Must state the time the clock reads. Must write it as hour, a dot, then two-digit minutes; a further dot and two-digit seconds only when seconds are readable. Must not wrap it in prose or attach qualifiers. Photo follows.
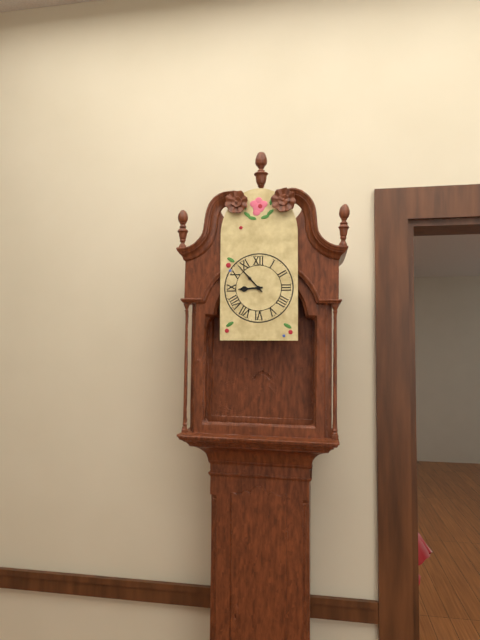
8.53
